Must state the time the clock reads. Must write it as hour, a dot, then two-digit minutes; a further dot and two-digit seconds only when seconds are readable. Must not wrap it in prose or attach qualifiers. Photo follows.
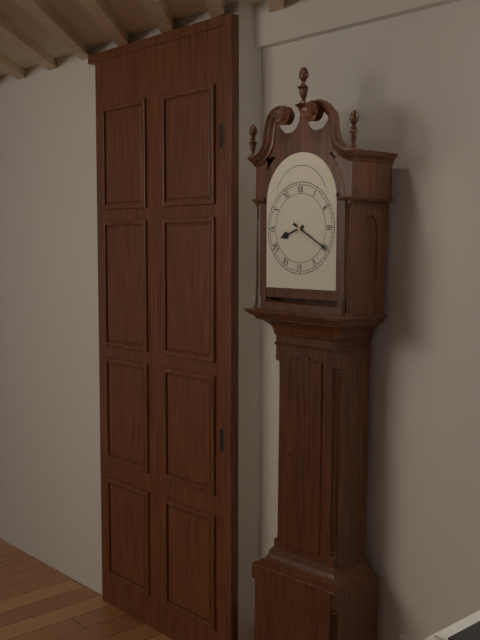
8.20
